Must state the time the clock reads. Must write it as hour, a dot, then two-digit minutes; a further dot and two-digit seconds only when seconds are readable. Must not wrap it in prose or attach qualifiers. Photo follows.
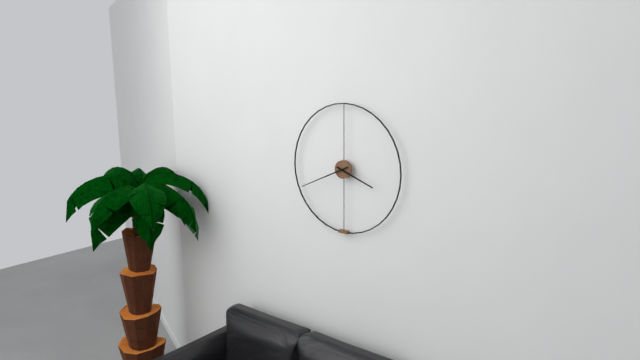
3.41
